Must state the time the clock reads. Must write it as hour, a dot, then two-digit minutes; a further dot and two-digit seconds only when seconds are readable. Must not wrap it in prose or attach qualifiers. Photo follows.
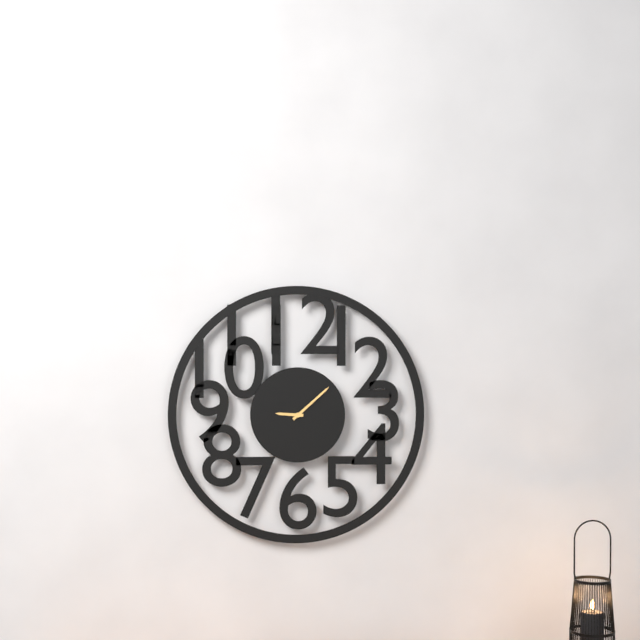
9.08
